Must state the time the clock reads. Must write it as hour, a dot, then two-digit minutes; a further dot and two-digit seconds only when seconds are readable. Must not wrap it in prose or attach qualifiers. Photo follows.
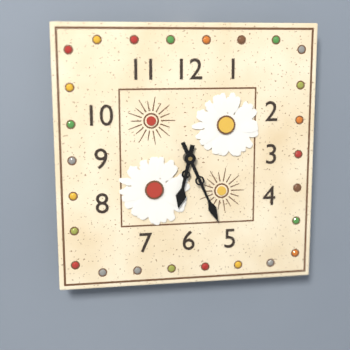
6.26
